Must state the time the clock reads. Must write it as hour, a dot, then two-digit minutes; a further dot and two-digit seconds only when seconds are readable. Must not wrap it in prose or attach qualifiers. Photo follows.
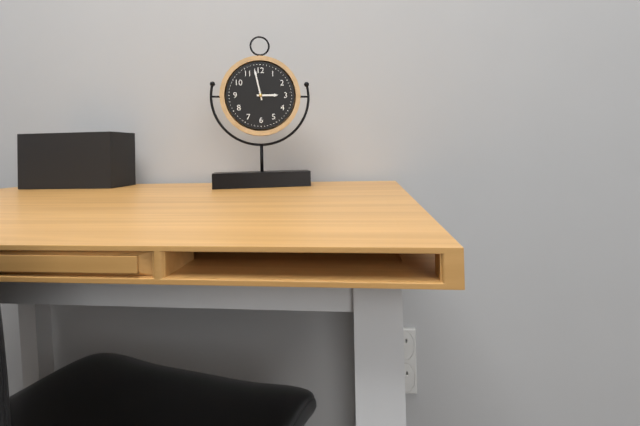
2.58
